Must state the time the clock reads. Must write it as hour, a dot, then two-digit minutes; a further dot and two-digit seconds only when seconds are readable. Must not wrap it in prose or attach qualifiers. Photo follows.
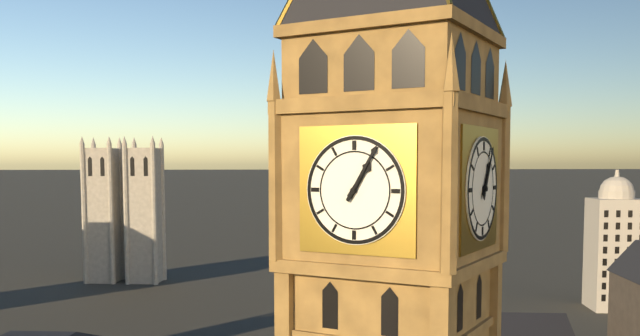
1.05
